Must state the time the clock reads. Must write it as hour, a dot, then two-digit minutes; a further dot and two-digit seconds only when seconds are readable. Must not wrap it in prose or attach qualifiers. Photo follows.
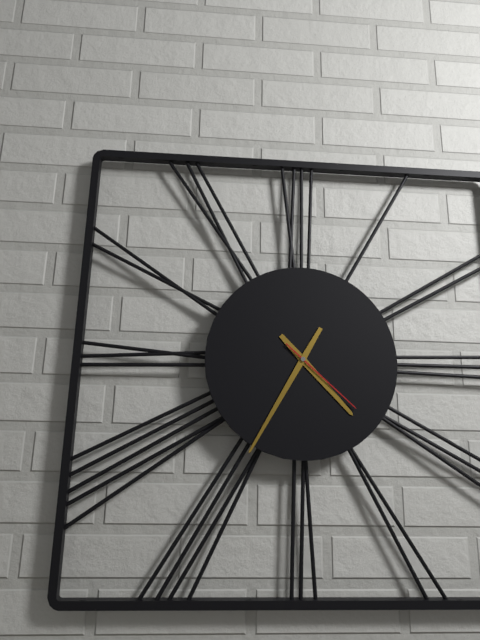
4.35.22
